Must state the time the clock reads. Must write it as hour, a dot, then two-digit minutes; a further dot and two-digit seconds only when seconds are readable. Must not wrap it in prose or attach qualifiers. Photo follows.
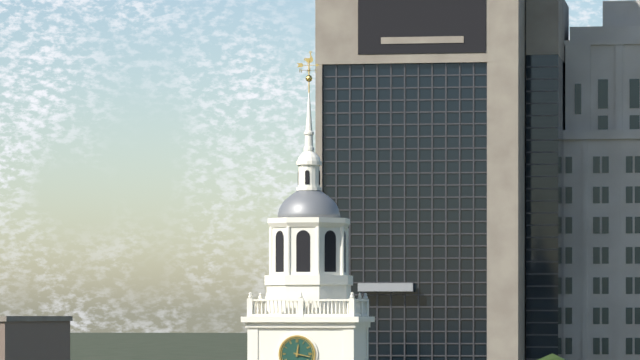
12.17
